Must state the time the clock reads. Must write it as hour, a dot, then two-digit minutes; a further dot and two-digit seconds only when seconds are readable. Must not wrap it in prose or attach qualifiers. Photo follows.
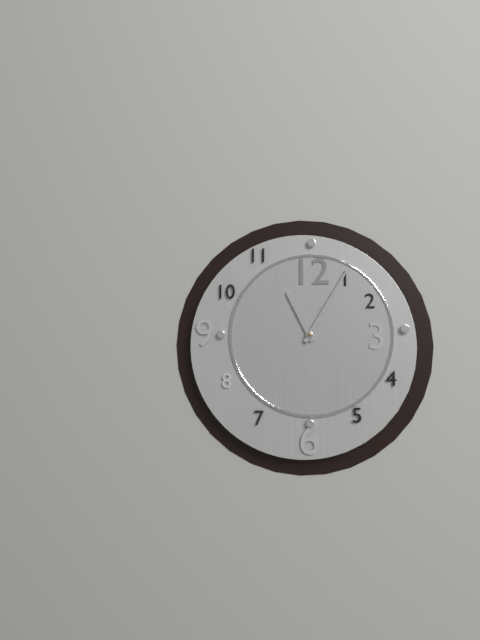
11.05
